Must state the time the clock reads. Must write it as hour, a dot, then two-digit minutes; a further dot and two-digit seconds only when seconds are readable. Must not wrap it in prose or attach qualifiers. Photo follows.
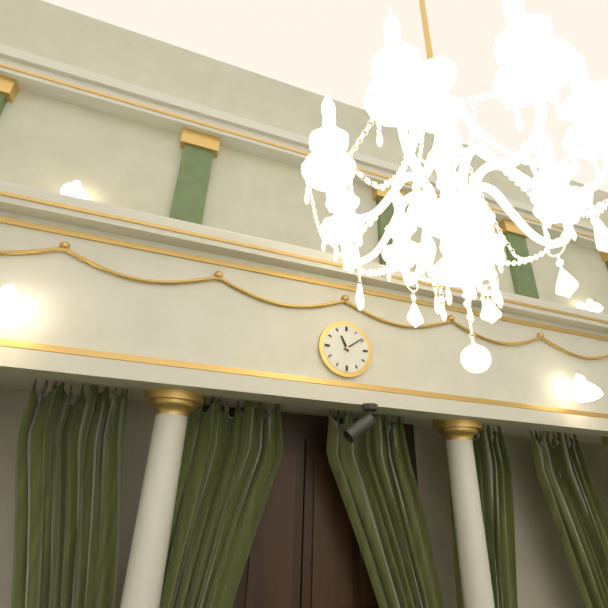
11.09
